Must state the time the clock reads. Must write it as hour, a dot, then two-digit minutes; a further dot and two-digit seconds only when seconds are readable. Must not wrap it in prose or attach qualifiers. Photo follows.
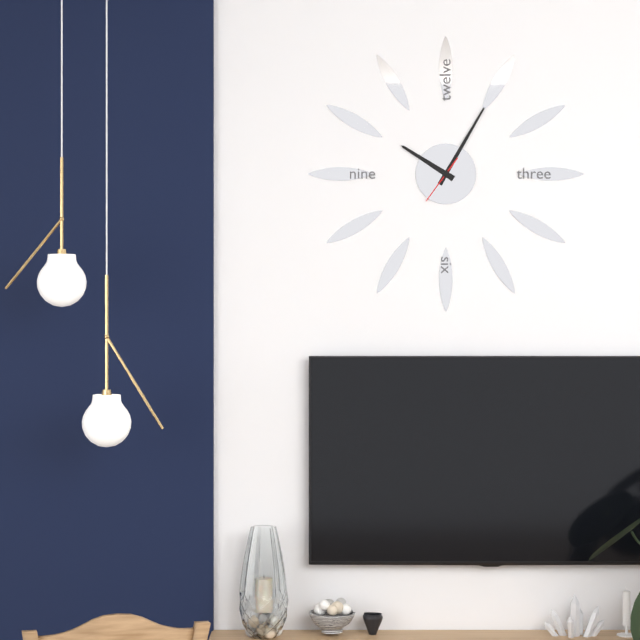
10.05
